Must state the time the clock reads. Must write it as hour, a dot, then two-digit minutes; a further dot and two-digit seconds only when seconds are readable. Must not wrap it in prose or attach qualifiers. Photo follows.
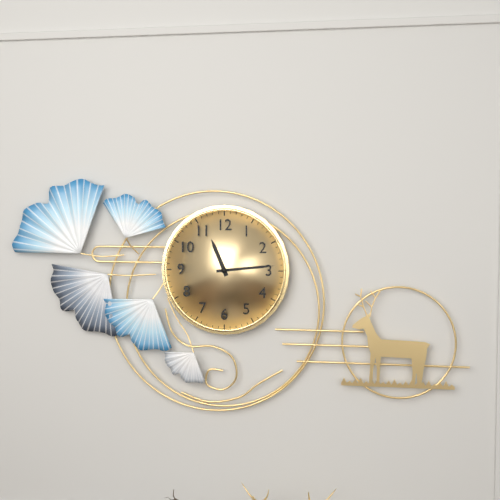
11.14
